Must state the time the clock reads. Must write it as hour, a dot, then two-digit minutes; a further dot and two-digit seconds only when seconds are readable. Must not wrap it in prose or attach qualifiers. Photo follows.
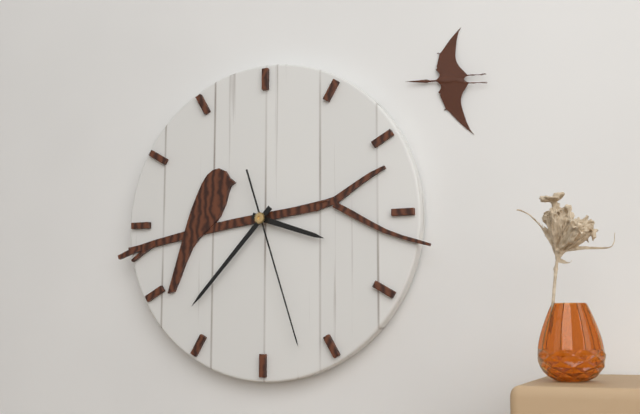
3.37.27
